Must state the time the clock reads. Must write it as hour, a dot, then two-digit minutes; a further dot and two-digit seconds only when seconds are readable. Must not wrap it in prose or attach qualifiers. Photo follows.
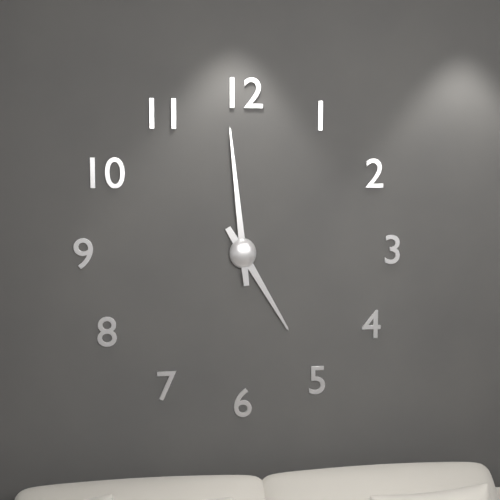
4.59
